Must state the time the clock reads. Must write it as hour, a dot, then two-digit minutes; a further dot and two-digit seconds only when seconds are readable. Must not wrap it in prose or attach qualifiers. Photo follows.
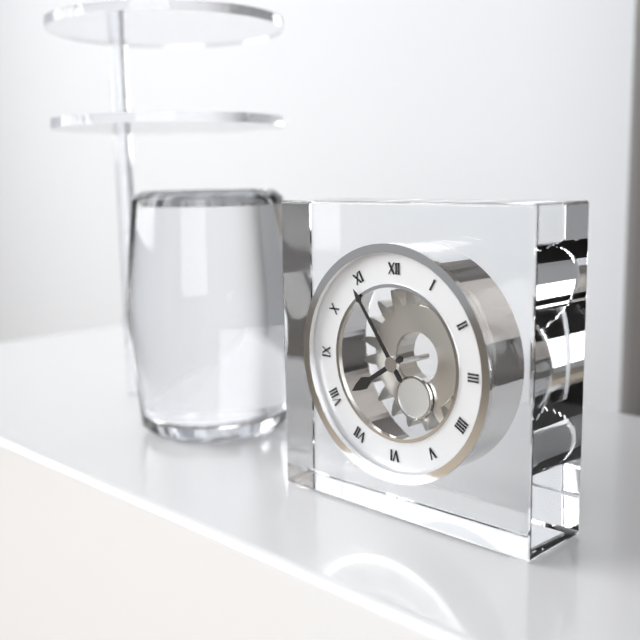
7.54
